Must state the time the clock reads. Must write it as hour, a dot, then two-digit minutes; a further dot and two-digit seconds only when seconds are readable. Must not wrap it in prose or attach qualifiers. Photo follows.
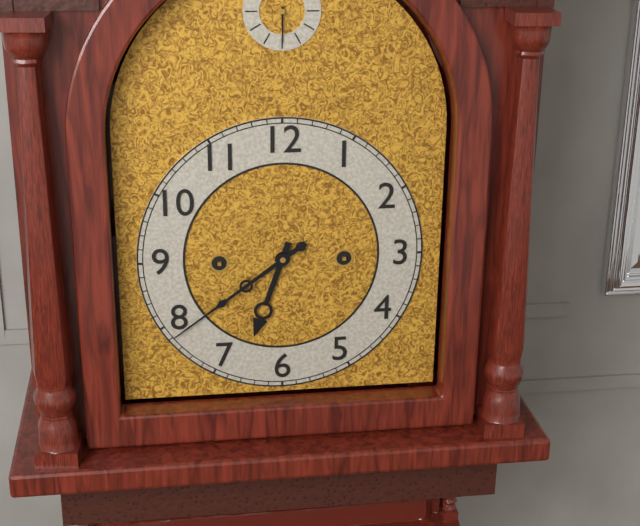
6.39
